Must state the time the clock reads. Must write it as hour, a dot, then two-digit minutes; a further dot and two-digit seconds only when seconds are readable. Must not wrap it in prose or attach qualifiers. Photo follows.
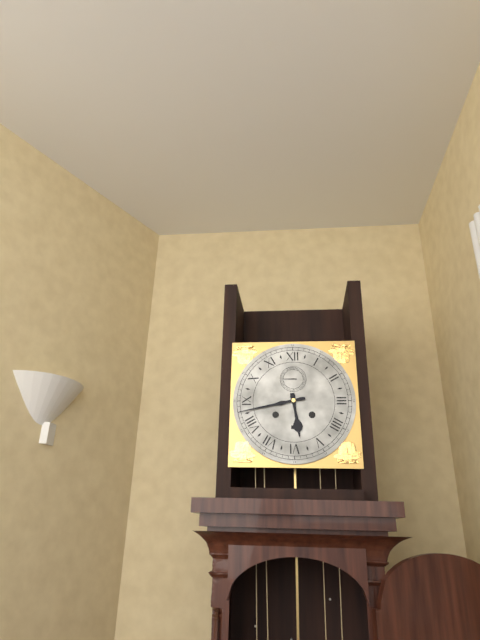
5.43
